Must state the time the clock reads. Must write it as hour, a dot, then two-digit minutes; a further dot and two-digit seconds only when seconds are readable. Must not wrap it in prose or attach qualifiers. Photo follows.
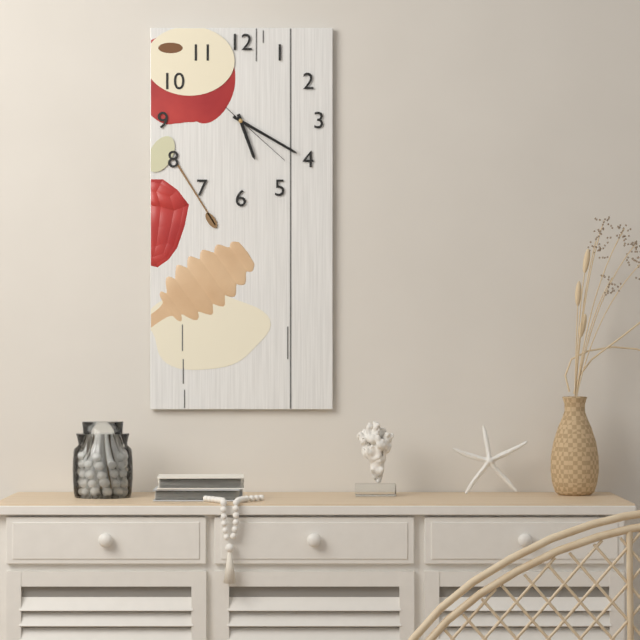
5.20.22
